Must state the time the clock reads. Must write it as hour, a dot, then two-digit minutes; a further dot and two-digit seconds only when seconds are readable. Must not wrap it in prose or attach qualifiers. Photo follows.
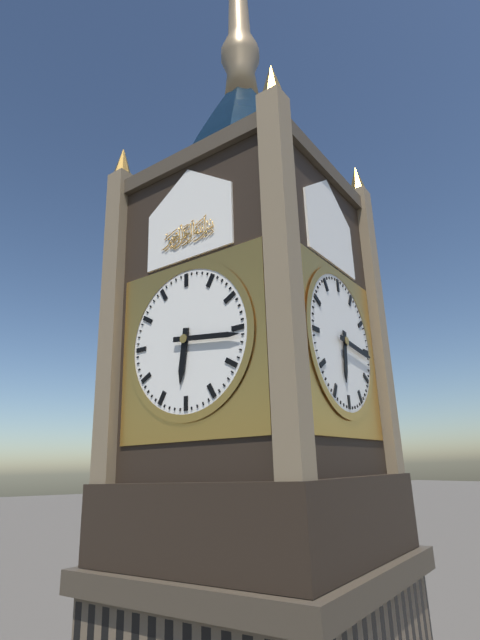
6.16
